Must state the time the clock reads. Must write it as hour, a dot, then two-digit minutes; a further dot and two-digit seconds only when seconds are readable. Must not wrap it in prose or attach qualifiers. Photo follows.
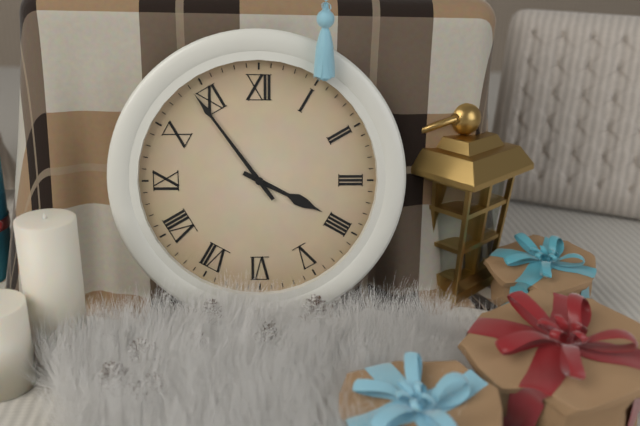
3.54
